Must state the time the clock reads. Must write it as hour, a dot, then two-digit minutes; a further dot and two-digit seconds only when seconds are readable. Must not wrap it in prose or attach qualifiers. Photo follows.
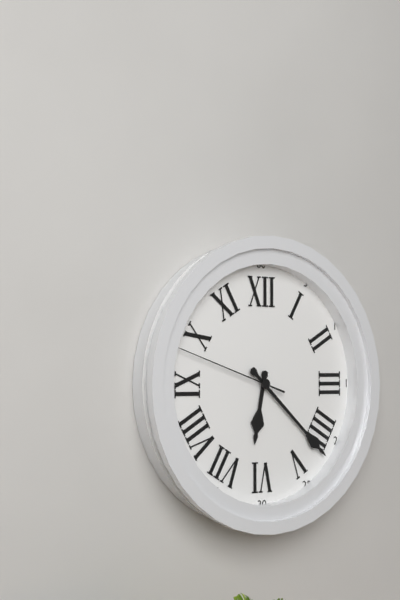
6.22.48
